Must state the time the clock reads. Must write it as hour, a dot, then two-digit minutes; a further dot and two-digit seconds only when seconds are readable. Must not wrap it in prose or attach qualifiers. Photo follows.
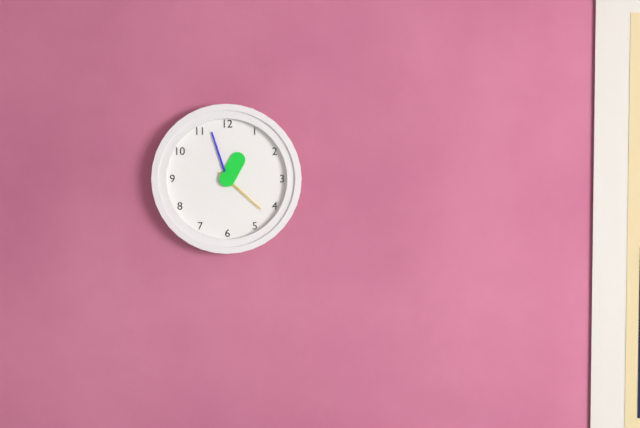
12.57.22
